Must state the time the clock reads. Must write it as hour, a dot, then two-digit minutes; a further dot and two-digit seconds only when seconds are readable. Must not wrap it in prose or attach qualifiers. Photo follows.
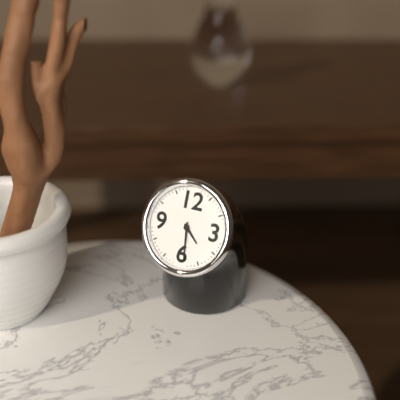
4.29
